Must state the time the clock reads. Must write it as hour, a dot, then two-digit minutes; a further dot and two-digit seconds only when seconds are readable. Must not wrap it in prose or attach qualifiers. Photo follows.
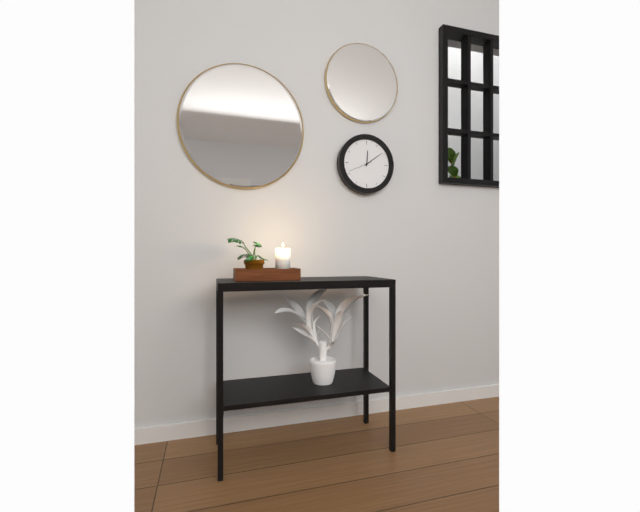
12.09
